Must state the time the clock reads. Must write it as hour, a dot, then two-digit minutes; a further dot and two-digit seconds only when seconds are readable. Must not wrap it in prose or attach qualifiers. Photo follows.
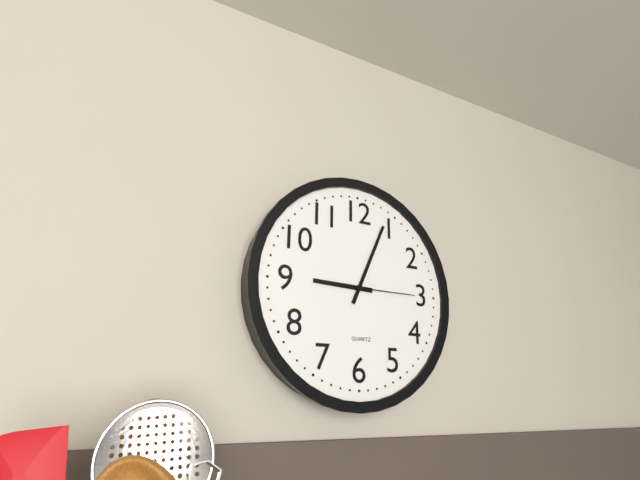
9.04.15
